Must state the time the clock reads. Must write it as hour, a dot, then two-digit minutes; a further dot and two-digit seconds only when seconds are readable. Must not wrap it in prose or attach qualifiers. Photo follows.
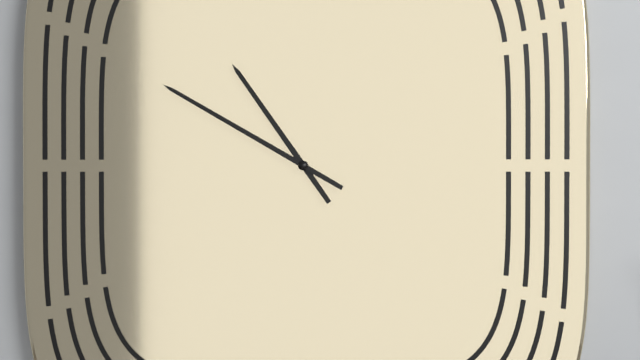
10.50
